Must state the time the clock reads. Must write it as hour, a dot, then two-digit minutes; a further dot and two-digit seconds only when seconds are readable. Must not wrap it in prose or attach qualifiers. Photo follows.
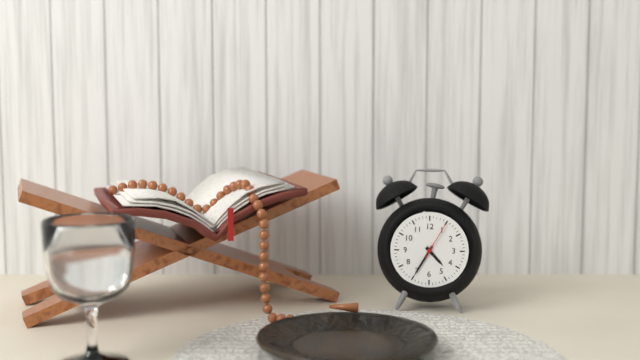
4.35
